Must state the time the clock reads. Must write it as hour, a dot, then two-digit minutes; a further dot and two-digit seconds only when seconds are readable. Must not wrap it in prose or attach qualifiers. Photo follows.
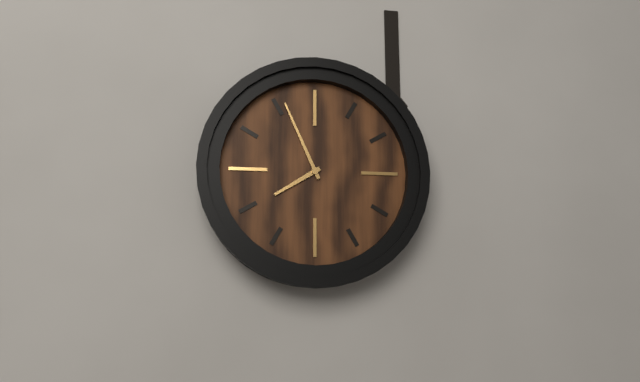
7.56
